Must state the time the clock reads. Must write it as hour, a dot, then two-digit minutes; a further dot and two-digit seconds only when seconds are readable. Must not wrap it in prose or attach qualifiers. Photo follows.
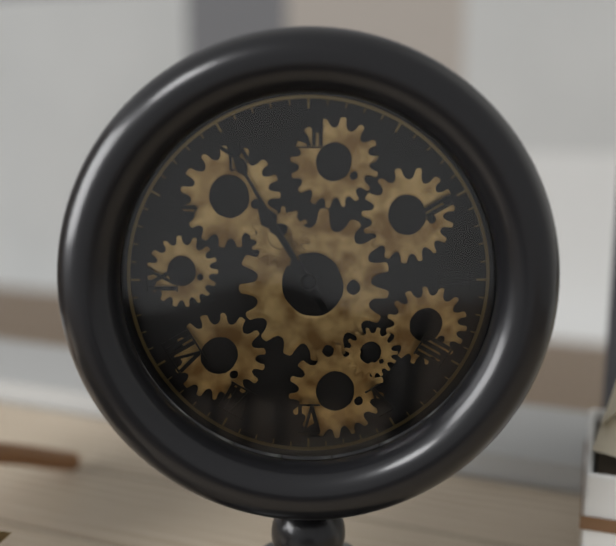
10.55
